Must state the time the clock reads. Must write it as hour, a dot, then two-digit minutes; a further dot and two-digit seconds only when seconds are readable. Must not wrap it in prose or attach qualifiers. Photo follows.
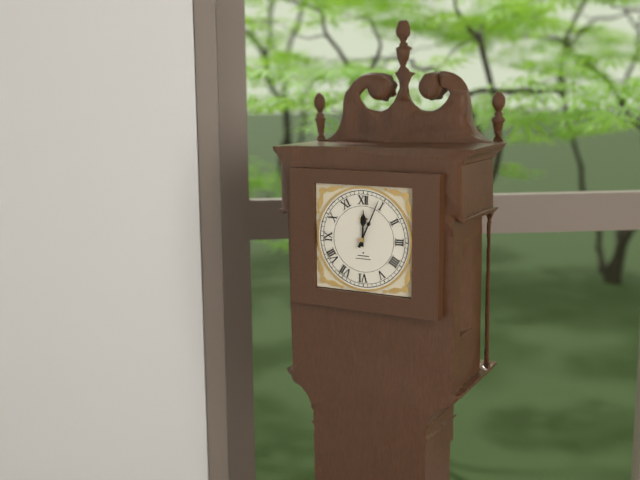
12.04
